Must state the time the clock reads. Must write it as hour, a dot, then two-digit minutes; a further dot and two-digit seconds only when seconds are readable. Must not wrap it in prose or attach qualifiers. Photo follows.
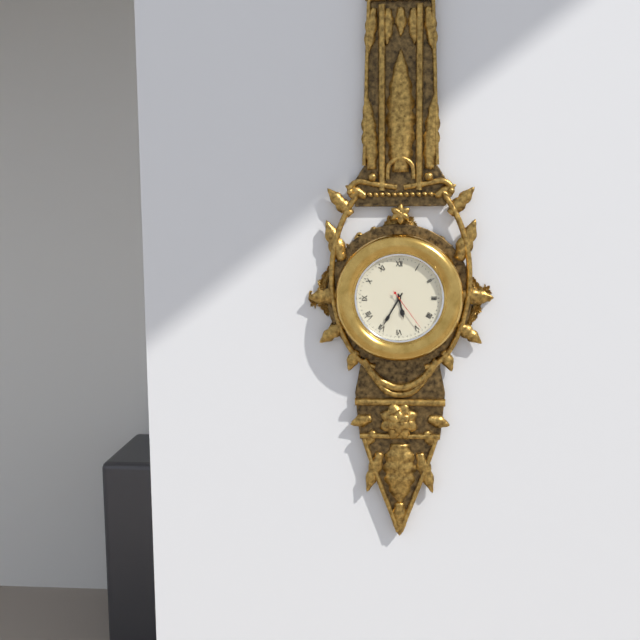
5.35
